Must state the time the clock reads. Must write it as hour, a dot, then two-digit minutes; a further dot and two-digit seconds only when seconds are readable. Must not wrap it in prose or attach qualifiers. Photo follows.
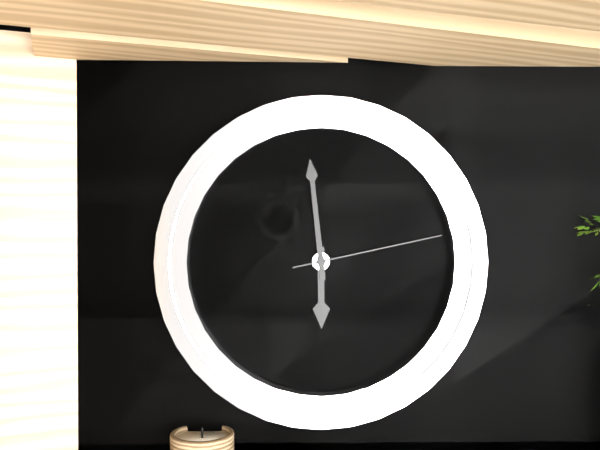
5.59.13
